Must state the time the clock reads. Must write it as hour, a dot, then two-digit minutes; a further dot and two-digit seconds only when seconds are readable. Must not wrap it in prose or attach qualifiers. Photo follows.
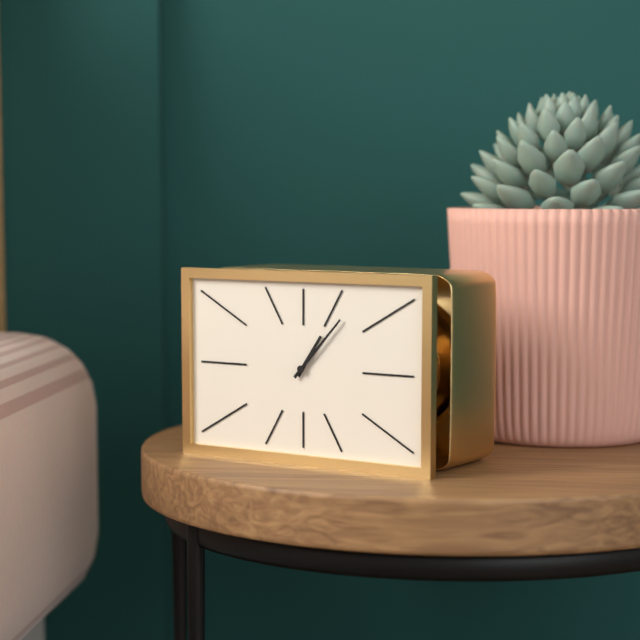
1.07
